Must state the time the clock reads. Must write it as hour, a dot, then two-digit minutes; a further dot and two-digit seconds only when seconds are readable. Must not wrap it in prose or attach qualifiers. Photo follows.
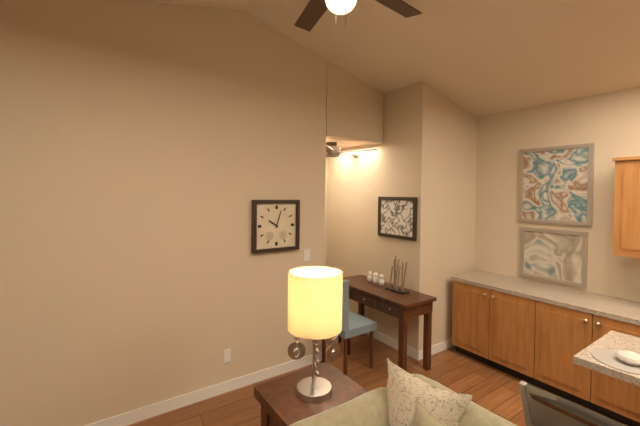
10.03
